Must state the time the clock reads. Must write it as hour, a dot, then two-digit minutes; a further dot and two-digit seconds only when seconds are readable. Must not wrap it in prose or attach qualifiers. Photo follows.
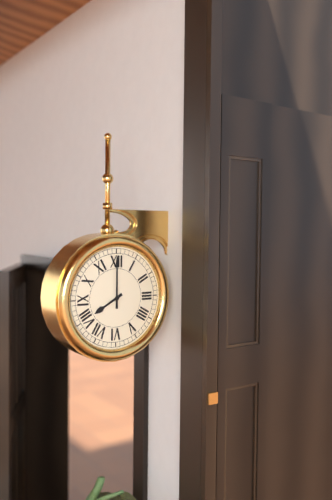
8.00
